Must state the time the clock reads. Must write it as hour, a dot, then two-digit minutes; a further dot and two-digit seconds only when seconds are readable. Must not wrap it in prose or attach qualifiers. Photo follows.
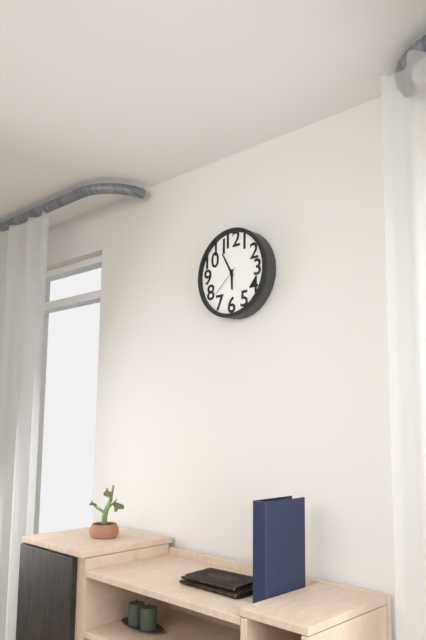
5.55
